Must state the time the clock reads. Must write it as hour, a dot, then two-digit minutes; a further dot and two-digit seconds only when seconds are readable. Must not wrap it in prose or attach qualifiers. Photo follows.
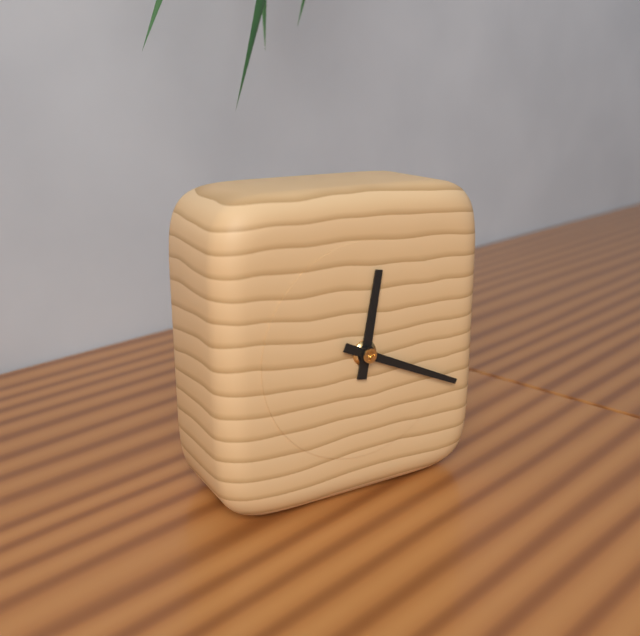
12.19
